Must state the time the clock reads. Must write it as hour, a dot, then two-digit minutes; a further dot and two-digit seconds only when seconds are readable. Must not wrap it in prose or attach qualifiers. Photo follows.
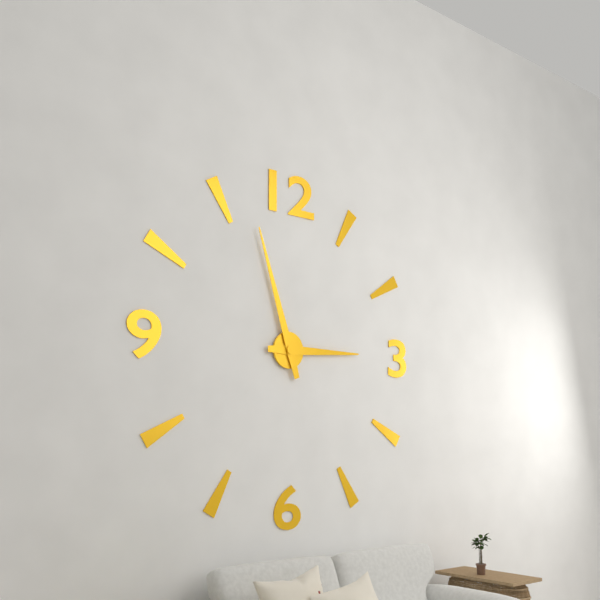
2.57
